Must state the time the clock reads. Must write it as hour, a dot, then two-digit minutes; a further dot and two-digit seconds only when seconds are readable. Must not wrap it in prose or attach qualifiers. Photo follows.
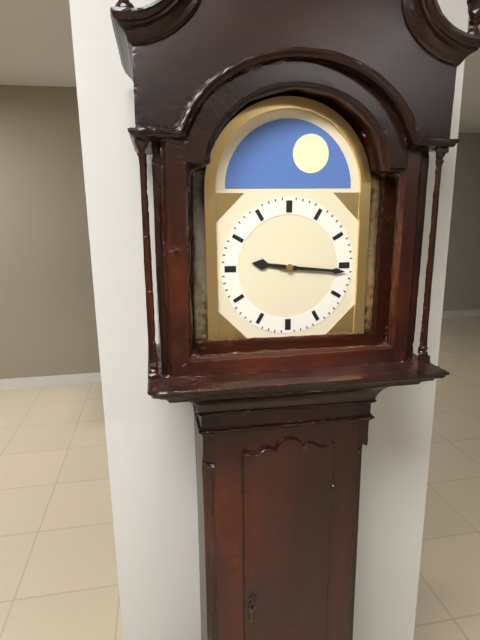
9.16
